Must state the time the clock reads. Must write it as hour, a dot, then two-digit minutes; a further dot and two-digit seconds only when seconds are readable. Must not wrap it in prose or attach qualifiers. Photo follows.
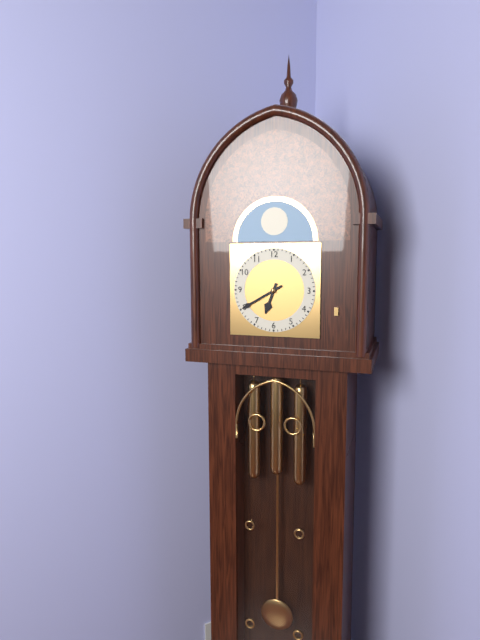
6.40
